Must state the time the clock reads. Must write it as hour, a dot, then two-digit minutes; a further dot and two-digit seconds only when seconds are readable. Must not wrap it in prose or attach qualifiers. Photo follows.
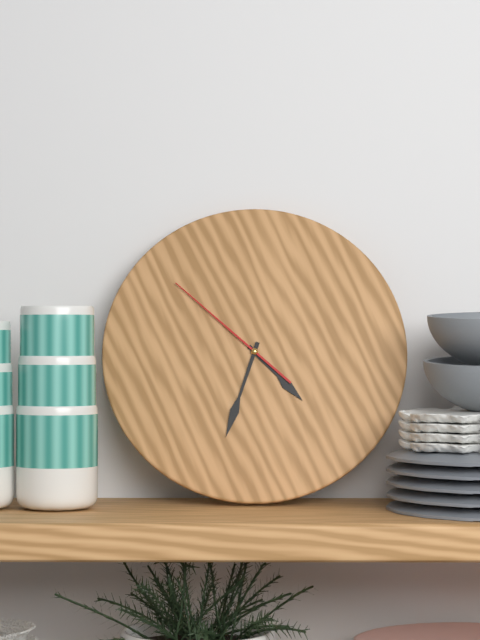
4.33.52
